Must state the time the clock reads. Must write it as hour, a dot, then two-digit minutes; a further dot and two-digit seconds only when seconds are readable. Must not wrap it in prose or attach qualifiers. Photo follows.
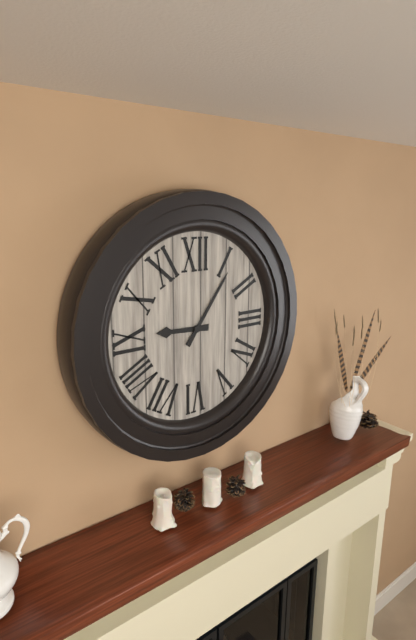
9.06
